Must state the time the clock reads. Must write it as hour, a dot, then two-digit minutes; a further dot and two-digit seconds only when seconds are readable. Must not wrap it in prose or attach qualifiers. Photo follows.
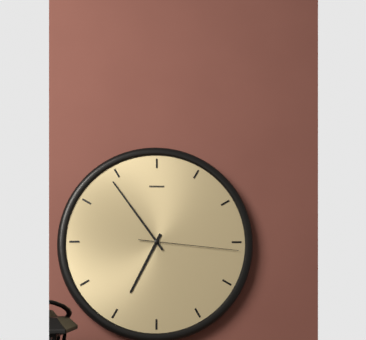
6.54.16
